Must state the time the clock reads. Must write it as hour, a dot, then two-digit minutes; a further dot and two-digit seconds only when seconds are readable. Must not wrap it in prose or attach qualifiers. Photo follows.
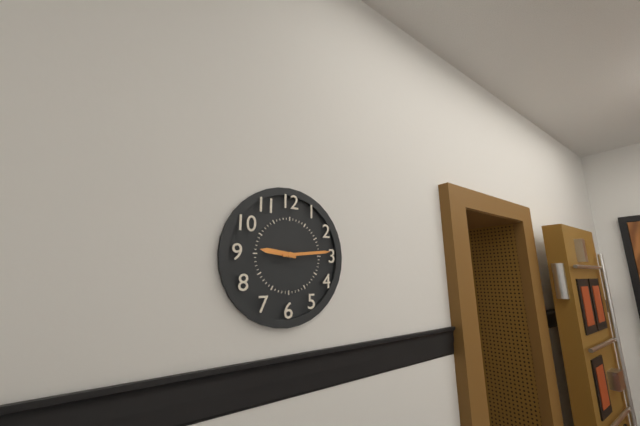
9.14
